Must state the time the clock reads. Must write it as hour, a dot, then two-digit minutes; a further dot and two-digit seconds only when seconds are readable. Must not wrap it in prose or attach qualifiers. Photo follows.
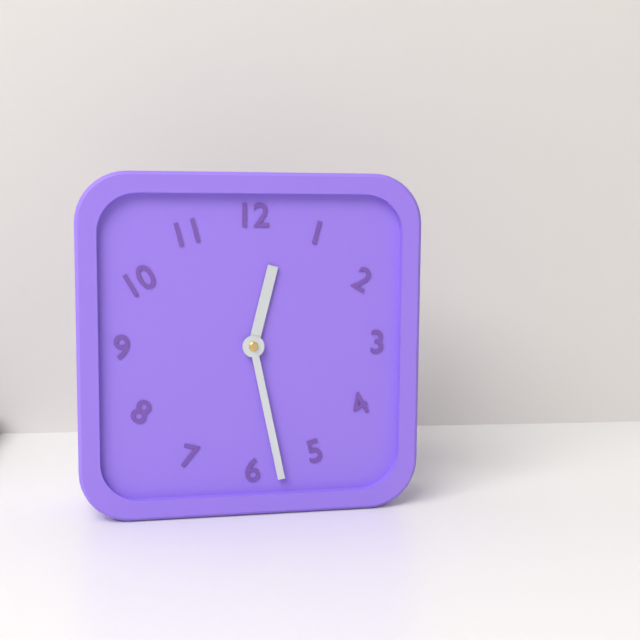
12.28
